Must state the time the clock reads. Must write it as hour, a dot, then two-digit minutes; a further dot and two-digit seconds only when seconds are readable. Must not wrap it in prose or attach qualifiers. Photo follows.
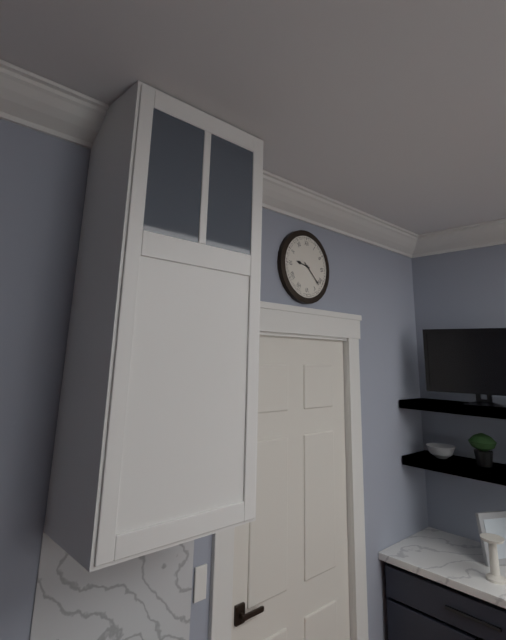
9.22
